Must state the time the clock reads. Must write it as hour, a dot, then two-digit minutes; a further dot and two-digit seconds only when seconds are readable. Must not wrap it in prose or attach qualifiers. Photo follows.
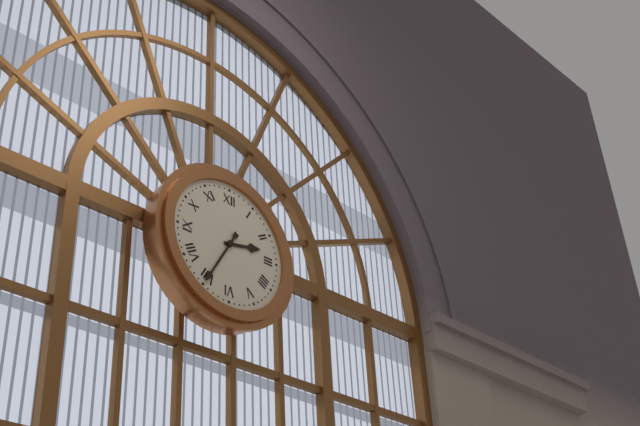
2.35
